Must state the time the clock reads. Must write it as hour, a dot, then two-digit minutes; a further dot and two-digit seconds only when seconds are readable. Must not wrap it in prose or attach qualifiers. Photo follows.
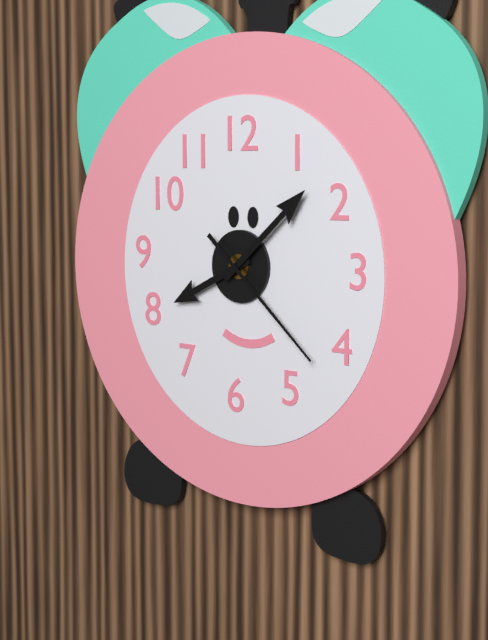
8.08.22
